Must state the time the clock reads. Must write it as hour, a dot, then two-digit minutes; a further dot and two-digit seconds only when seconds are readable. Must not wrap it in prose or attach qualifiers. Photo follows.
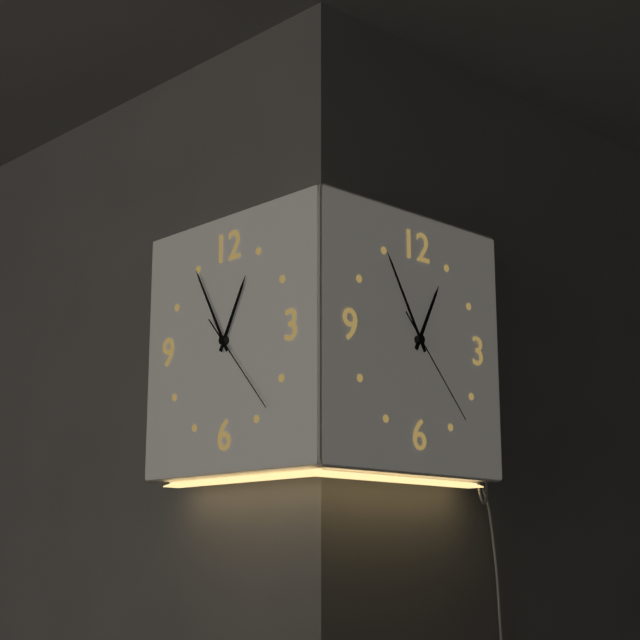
12.55.23
